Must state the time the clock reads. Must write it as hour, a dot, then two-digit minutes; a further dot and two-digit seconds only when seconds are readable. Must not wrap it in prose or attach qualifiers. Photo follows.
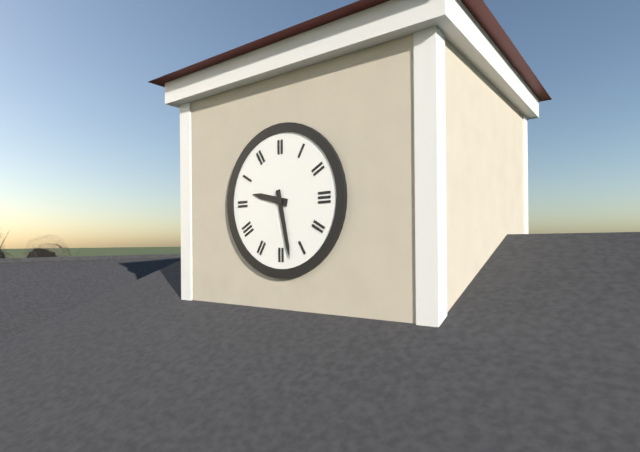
9.28
